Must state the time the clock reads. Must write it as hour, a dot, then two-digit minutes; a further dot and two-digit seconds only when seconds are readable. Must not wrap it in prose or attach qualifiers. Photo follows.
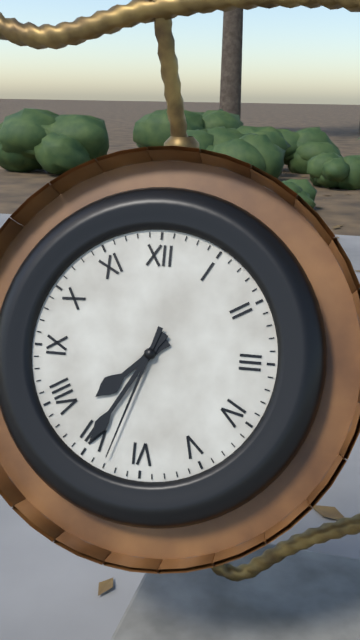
7.35.33
